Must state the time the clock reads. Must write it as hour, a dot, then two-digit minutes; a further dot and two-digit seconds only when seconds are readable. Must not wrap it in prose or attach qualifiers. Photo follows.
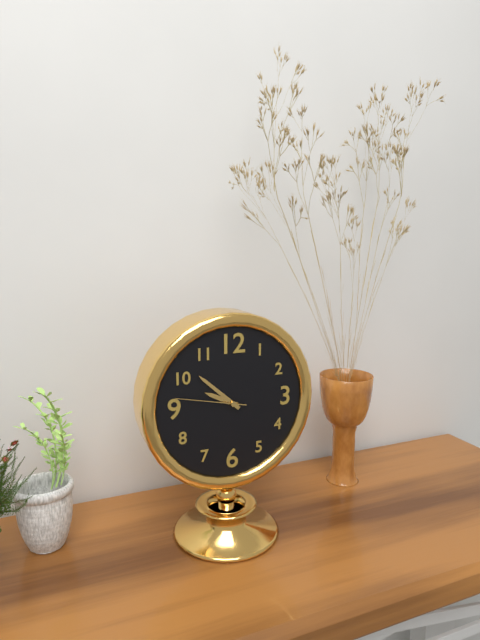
9.52.47
